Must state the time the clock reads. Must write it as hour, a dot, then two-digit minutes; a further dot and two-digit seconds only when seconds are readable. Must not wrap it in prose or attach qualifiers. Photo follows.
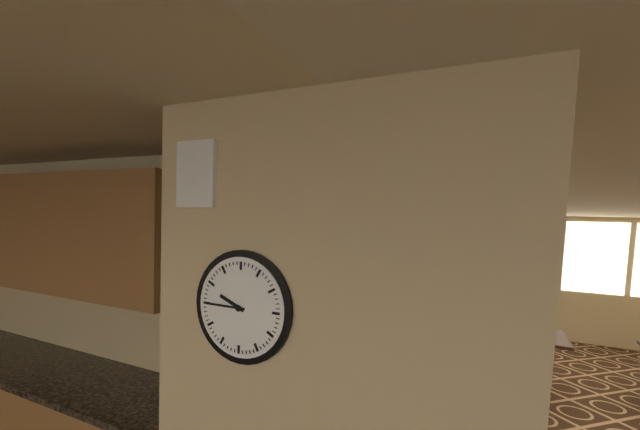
9.45
